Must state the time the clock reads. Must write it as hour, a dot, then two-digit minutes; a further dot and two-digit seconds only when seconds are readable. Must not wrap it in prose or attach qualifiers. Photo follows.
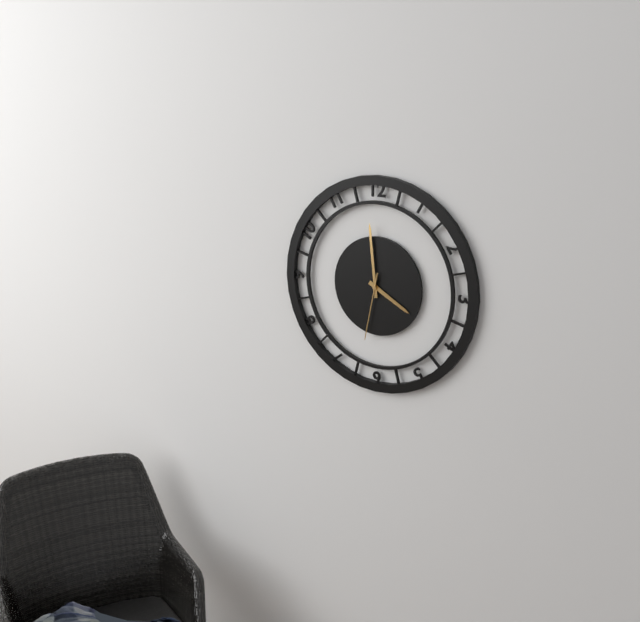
3.59.32
